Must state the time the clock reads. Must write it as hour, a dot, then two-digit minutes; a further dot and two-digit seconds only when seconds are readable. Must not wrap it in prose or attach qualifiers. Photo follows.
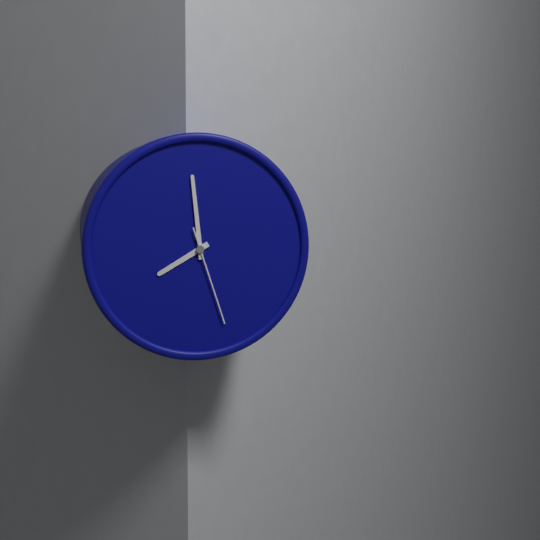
7.59.27
